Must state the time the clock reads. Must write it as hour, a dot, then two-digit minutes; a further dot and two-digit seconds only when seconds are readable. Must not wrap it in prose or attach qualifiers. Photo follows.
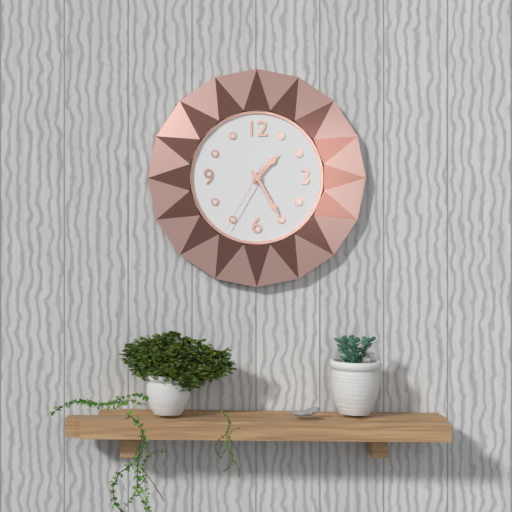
1.25.35
